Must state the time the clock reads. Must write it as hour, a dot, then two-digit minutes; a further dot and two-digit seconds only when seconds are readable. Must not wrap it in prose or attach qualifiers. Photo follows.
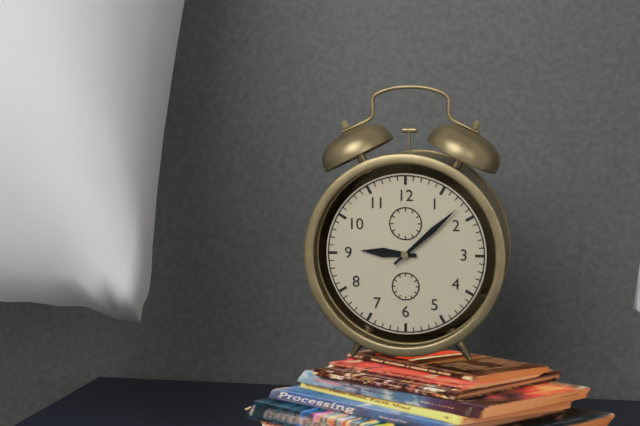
9.08
